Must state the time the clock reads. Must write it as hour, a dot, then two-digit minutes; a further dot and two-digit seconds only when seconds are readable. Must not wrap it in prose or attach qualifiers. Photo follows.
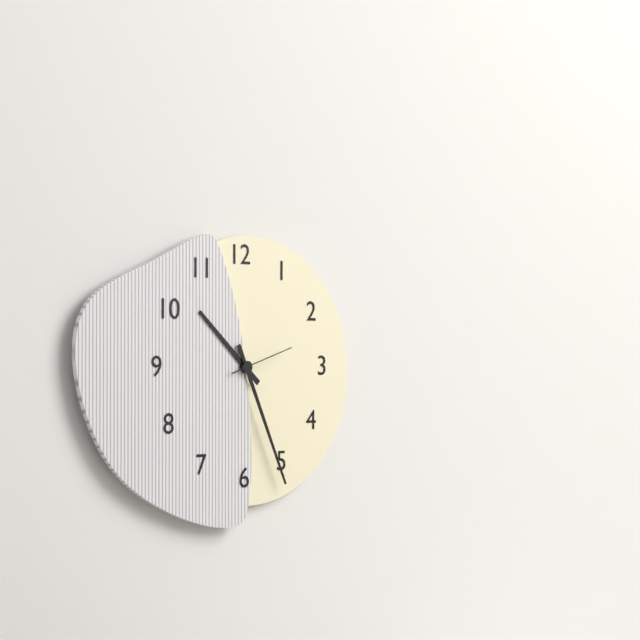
10.26.12
